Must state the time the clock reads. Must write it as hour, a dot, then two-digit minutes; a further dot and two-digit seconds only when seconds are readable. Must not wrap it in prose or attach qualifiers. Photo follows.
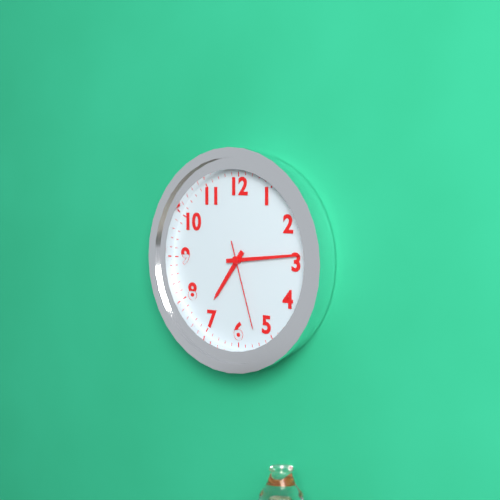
7.14.27
